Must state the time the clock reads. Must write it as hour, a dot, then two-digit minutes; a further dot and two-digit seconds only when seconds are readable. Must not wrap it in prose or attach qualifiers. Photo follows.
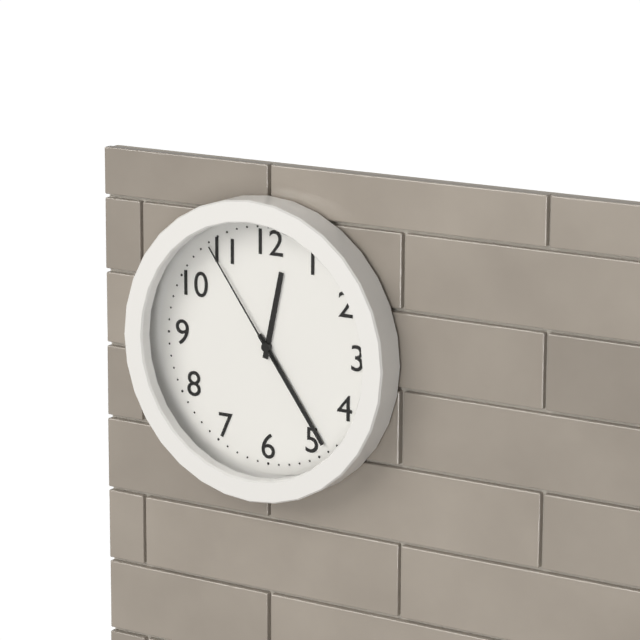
12.24.54
